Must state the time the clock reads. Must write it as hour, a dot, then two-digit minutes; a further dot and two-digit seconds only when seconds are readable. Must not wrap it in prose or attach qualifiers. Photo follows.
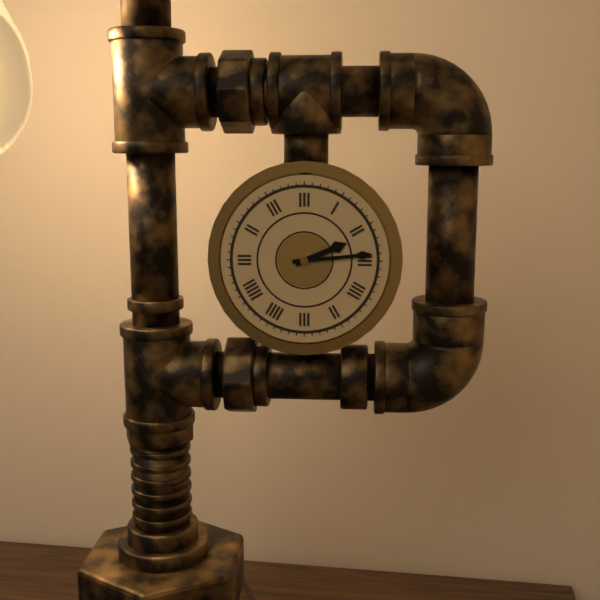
2.14
